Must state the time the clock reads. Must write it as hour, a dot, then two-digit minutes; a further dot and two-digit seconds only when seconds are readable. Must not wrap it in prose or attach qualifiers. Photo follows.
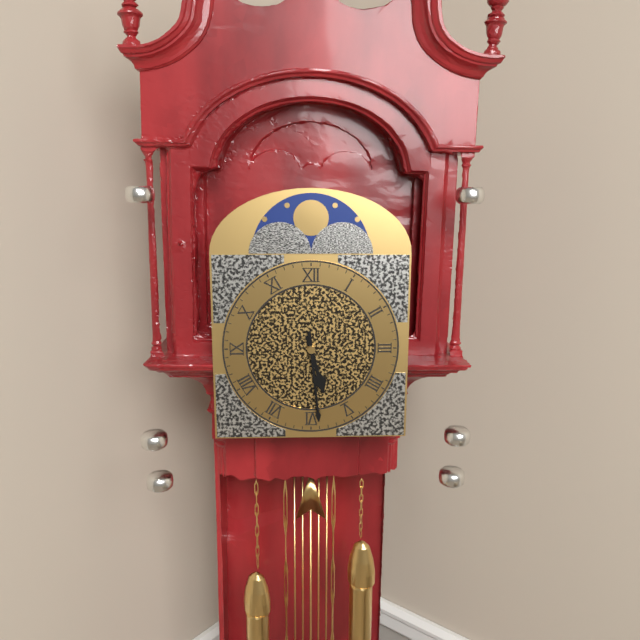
5.29
